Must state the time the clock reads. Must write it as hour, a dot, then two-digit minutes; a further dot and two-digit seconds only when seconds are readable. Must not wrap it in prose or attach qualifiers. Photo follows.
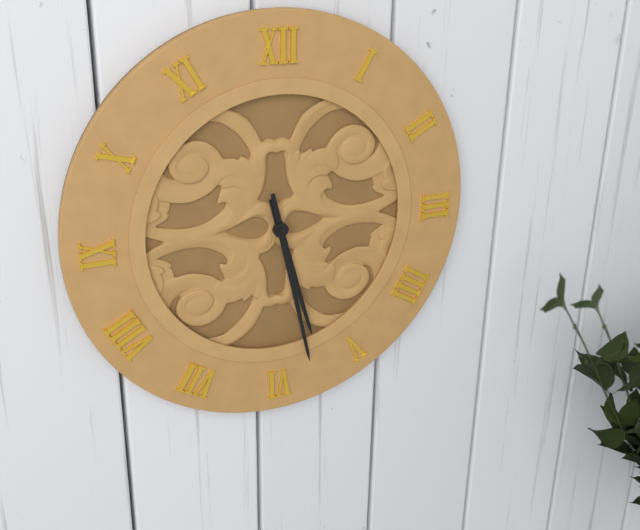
5.28
